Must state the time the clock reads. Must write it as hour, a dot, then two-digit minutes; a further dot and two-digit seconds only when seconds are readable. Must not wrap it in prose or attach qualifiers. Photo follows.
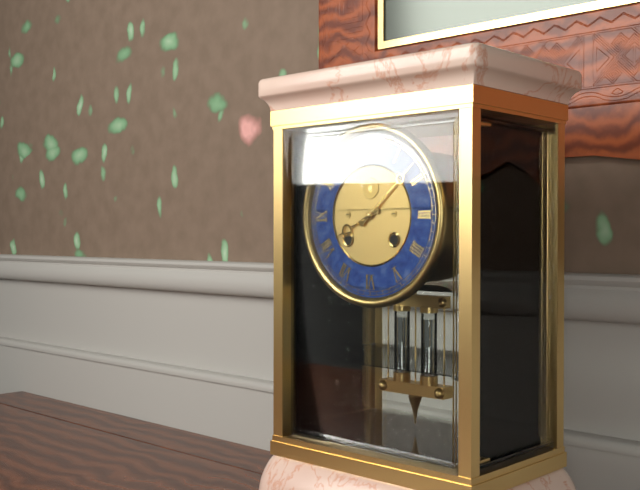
8.08
